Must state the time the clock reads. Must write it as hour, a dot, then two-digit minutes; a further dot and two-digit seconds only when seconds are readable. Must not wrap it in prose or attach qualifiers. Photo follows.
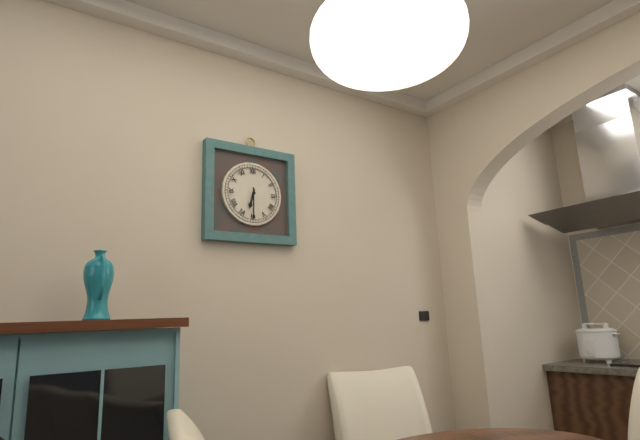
6.30
